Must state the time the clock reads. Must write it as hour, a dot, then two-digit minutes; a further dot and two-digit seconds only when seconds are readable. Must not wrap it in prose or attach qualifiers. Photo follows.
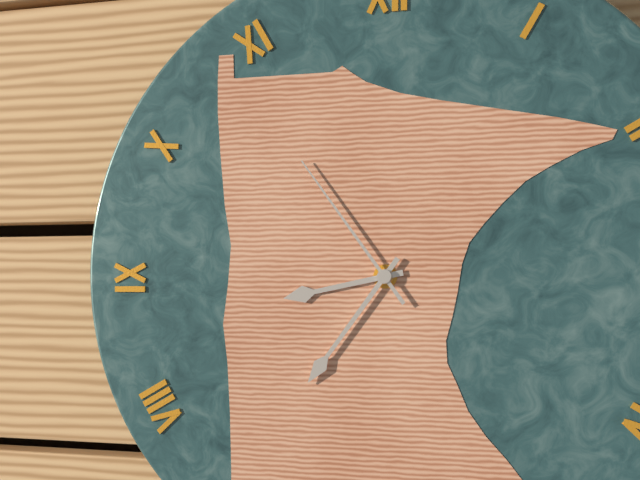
8.36.54
